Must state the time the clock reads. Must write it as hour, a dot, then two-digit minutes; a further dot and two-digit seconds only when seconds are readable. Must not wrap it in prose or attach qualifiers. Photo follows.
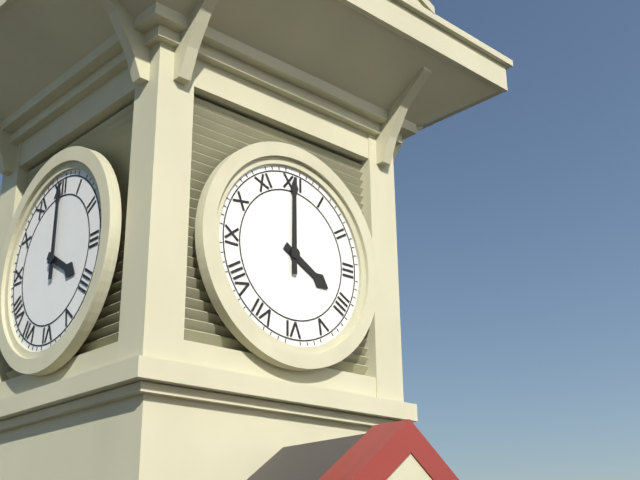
4.00
